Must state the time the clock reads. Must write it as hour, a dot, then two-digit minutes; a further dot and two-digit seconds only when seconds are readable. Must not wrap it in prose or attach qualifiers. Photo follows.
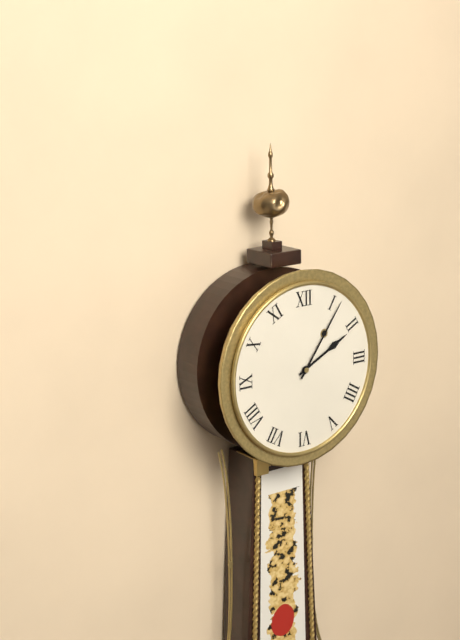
2.06
